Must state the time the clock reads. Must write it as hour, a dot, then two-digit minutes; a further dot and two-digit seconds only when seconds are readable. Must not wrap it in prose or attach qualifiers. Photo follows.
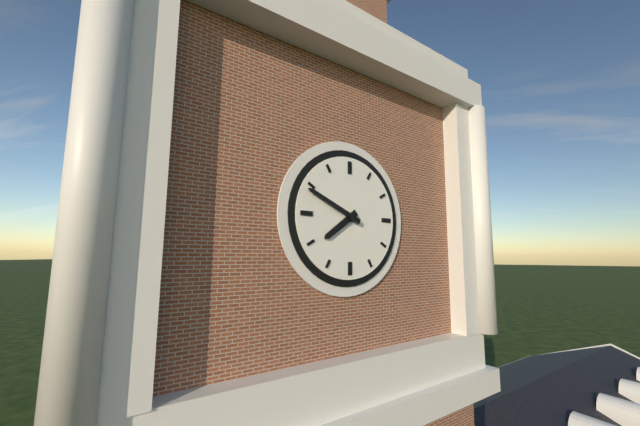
7.49
